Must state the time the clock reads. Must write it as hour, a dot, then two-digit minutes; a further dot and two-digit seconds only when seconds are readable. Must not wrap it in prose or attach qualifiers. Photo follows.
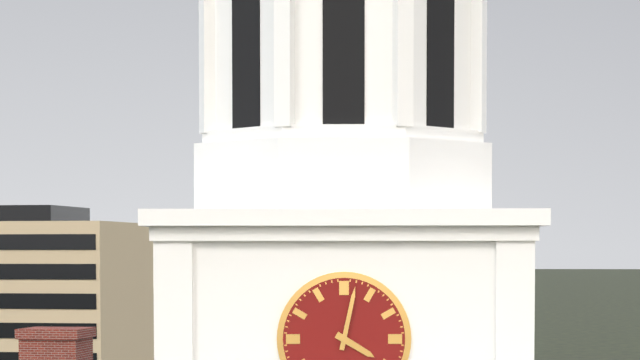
4.02
